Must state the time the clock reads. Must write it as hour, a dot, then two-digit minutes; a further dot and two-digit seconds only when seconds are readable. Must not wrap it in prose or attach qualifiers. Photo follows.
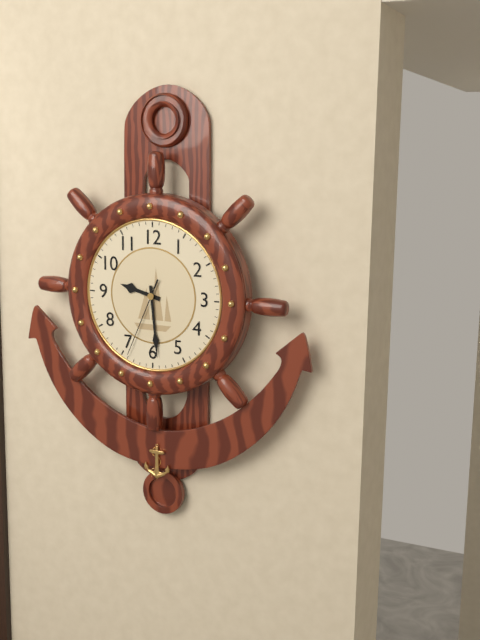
9.29.34
